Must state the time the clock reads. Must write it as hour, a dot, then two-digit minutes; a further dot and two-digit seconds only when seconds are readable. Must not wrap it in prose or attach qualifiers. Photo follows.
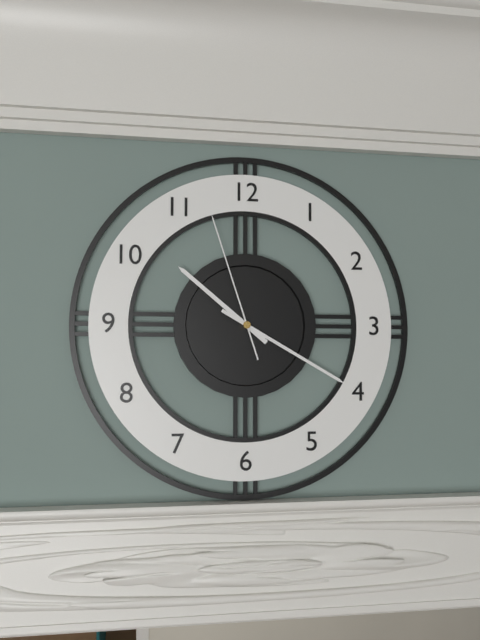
10.20.57
